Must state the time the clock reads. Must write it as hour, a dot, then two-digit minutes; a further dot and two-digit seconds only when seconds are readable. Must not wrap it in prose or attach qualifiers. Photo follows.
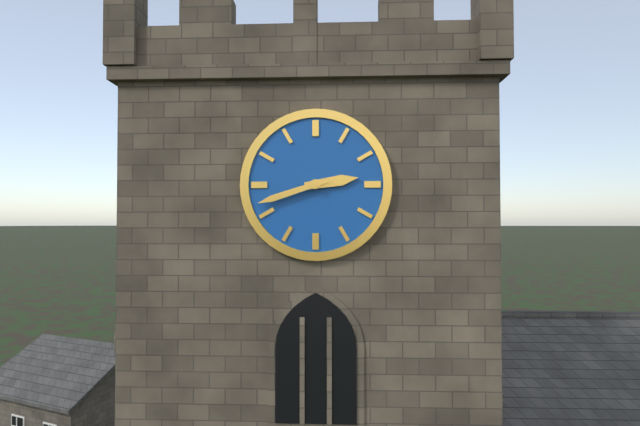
2.42
